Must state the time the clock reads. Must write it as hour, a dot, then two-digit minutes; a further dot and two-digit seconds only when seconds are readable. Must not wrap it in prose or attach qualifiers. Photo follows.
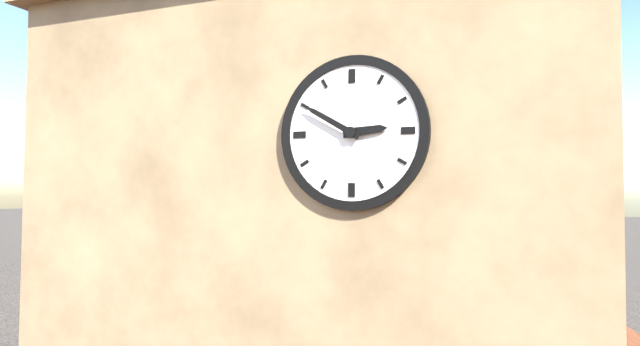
2.50
